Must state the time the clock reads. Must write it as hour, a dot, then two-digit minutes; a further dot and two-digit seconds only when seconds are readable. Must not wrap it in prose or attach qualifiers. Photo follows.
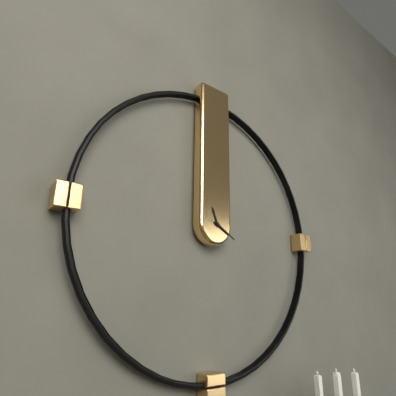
11.20
